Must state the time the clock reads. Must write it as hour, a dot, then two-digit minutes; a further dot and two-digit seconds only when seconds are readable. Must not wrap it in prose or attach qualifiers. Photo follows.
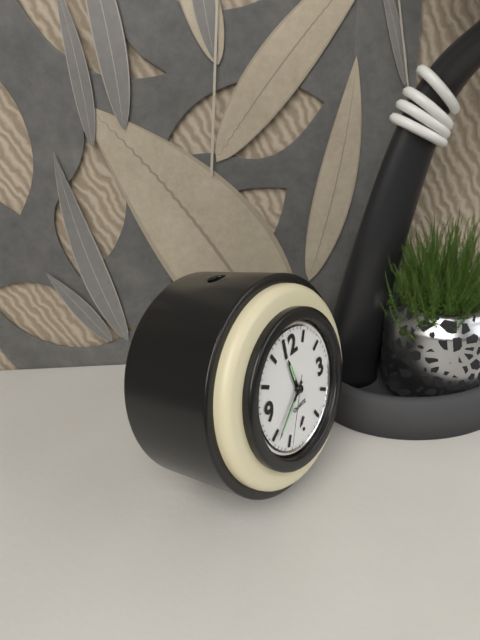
11.39.35
